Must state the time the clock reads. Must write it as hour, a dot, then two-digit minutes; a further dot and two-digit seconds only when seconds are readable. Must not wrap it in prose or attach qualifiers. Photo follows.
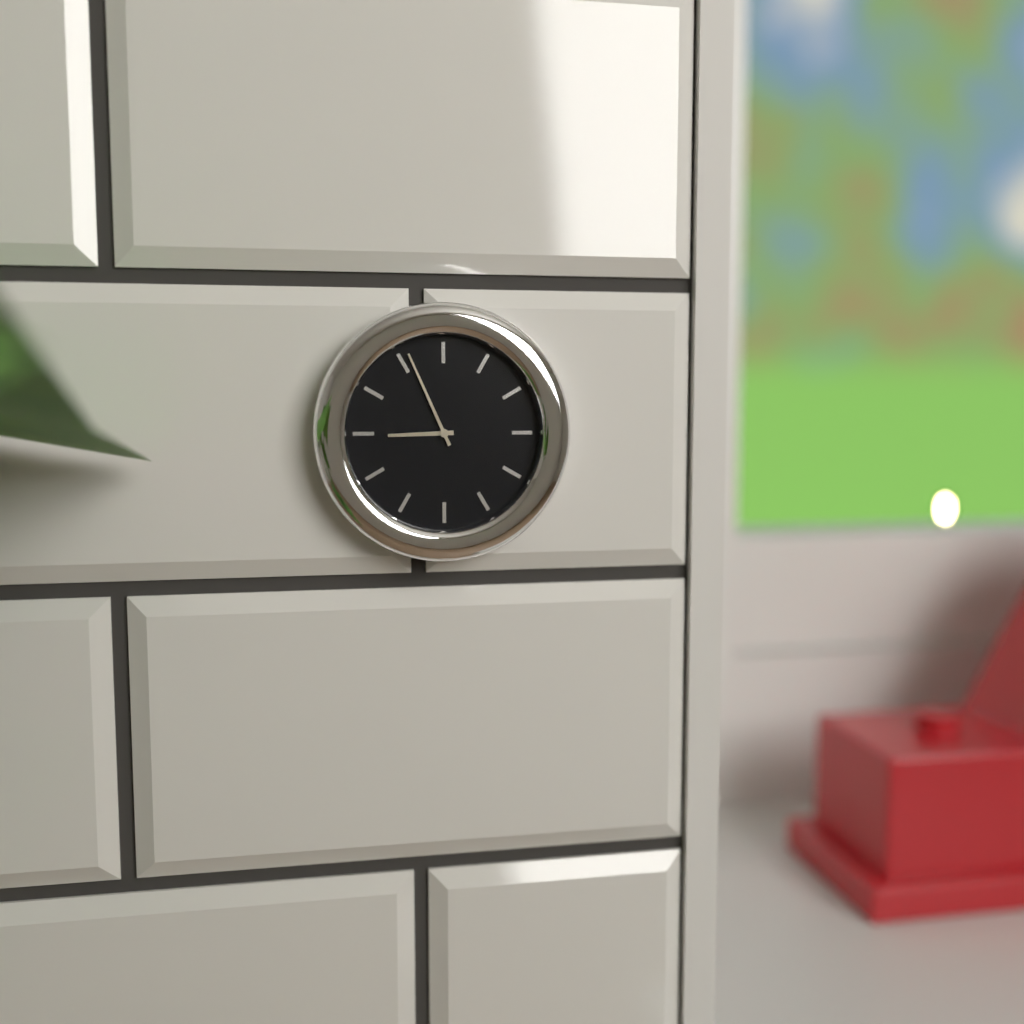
8.56
